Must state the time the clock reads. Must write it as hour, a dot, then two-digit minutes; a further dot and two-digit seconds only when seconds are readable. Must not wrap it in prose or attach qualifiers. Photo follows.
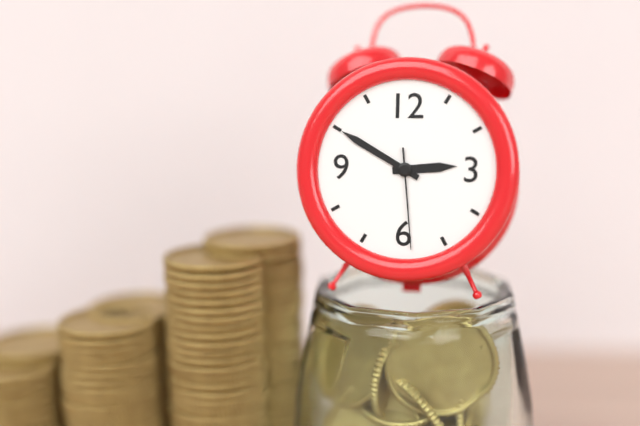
2.50.29
